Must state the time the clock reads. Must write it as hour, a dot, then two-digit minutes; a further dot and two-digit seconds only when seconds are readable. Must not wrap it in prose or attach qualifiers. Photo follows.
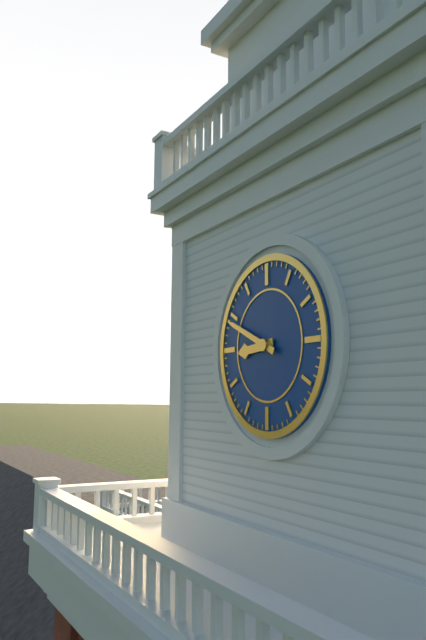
8.49
